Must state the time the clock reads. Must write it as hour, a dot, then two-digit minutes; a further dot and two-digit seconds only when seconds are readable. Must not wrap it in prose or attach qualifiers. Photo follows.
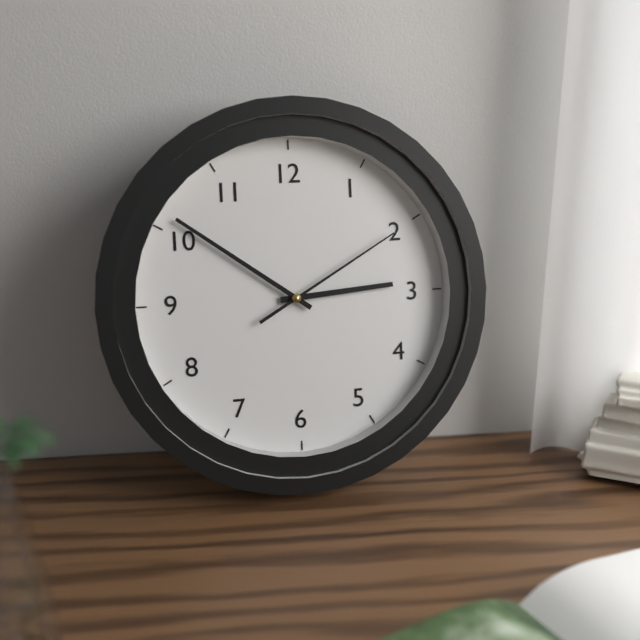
2.51.10
